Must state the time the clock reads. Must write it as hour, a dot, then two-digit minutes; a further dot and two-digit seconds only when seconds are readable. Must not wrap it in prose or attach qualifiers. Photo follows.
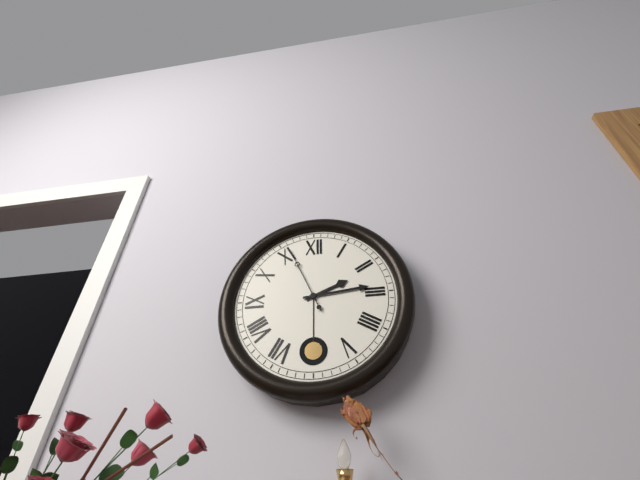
2.14.56
